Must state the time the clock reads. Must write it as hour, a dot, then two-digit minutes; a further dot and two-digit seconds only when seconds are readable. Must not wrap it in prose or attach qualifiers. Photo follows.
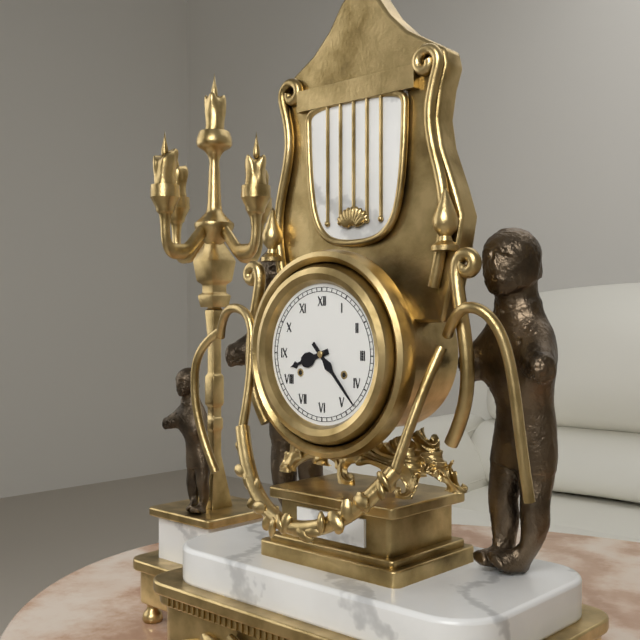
8.23
